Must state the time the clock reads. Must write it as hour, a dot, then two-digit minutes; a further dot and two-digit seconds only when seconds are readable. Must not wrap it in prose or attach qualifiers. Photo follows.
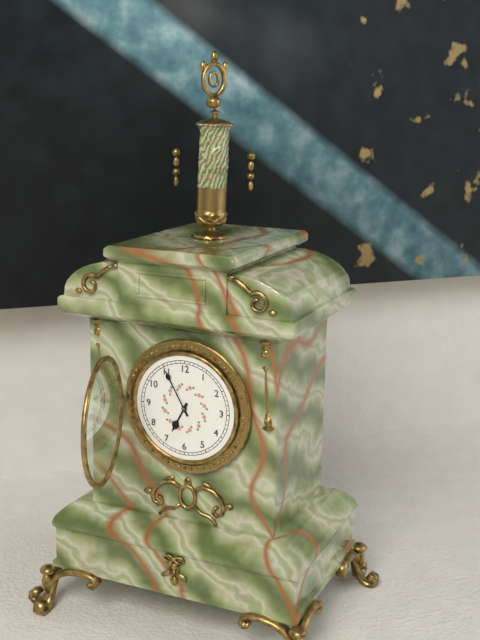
6.55
